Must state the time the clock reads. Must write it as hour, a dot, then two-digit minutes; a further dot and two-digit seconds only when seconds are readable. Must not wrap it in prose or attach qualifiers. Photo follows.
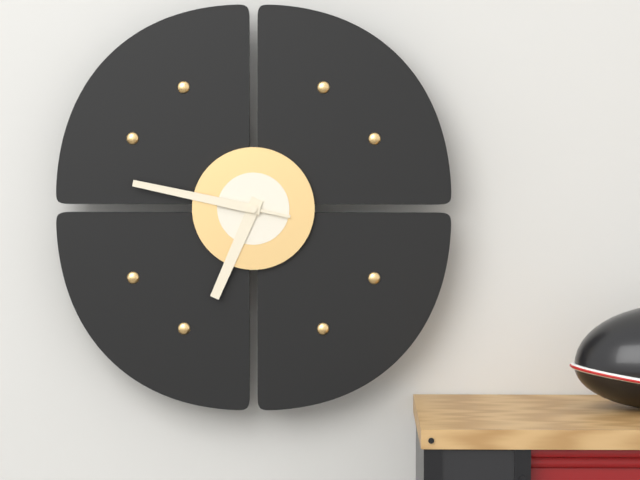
6.47
